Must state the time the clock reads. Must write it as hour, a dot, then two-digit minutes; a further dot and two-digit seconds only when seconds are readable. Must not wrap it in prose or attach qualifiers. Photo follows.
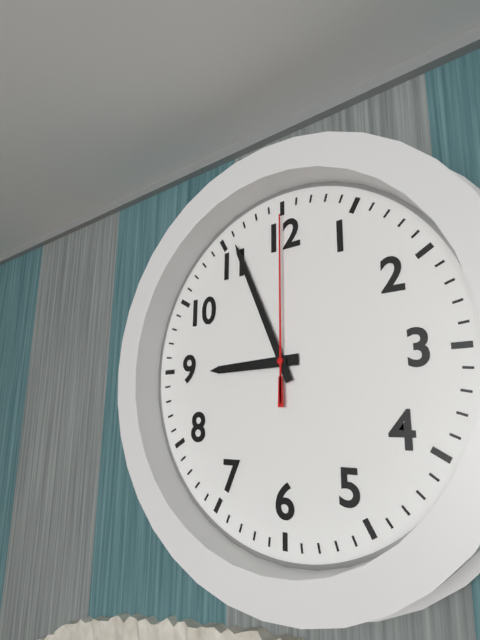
8.56.00
